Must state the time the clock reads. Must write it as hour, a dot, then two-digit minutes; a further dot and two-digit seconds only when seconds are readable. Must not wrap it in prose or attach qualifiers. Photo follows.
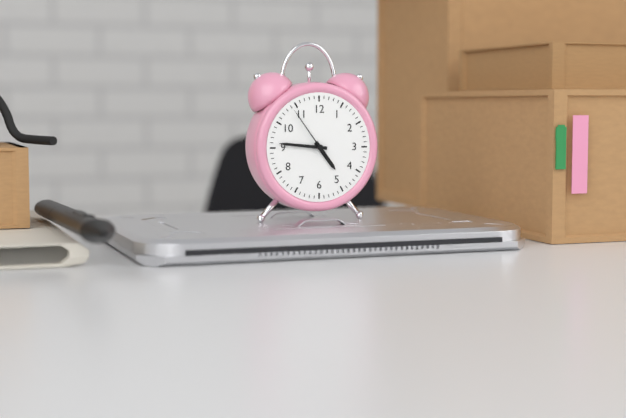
4.46.54
